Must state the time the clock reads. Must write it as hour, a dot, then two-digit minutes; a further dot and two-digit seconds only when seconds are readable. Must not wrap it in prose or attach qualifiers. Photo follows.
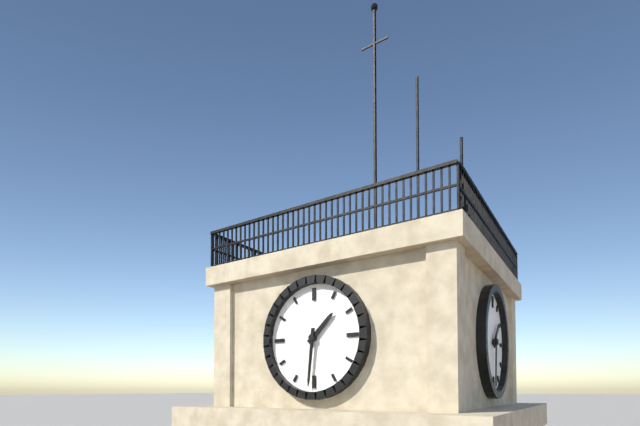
1.31
